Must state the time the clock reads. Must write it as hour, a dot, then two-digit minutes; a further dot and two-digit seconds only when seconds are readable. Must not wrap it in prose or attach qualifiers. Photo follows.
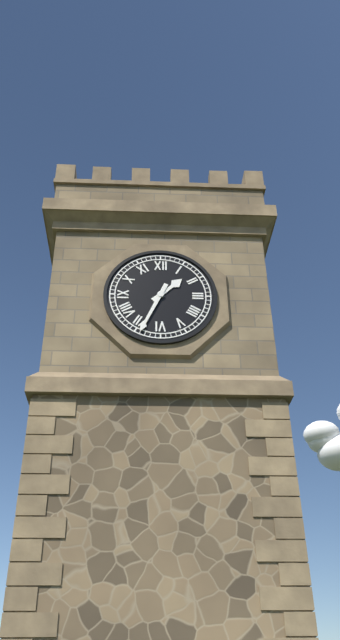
1.34
